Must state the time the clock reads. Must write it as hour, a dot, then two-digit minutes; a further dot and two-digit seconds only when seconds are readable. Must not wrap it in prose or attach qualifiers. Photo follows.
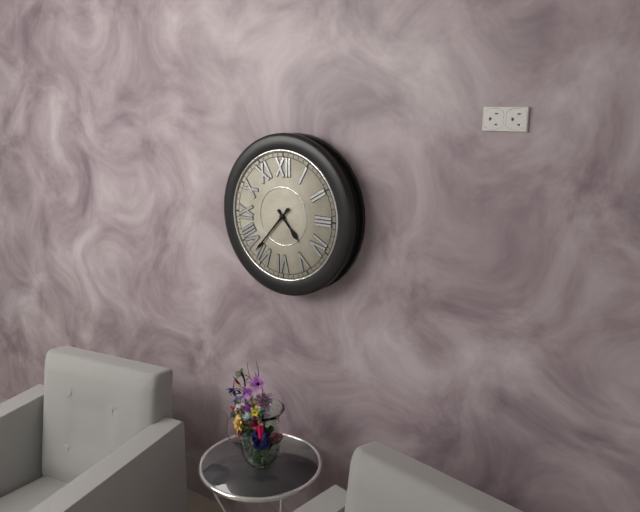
4.37
